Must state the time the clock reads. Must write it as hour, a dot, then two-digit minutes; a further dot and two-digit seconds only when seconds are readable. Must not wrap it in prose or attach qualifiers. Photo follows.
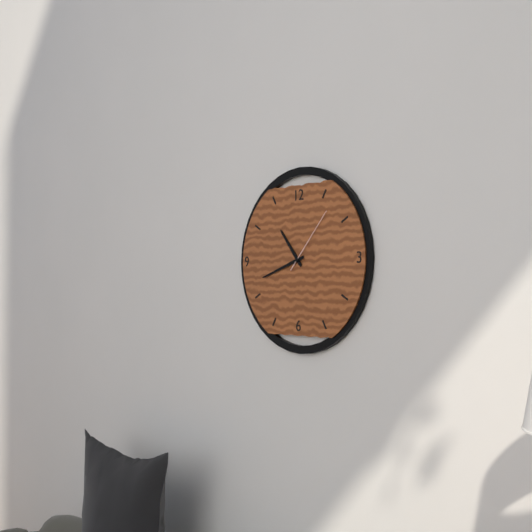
10.42.07
